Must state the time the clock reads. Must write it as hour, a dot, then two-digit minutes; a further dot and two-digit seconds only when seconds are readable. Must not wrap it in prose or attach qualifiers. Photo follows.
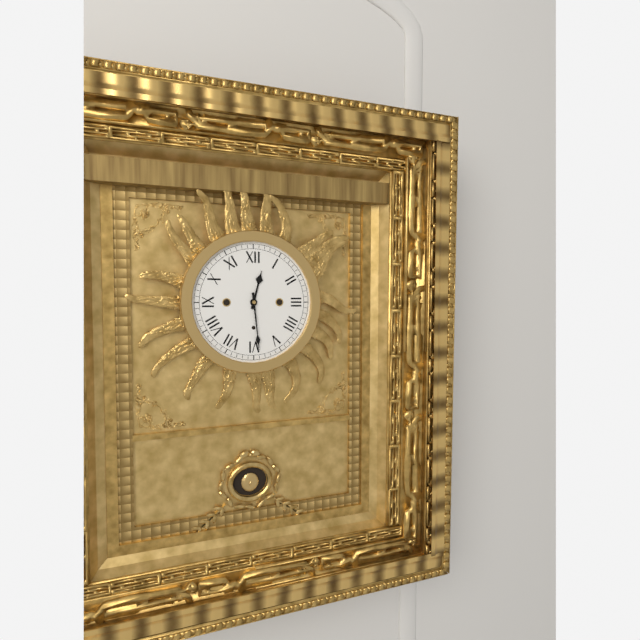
12.29
